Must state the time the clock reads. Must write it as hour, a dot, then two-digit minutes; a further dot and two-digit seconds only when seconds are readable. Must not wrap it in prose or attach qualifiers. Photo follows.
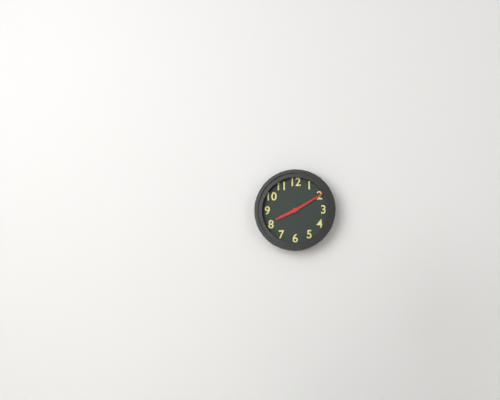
8.10
